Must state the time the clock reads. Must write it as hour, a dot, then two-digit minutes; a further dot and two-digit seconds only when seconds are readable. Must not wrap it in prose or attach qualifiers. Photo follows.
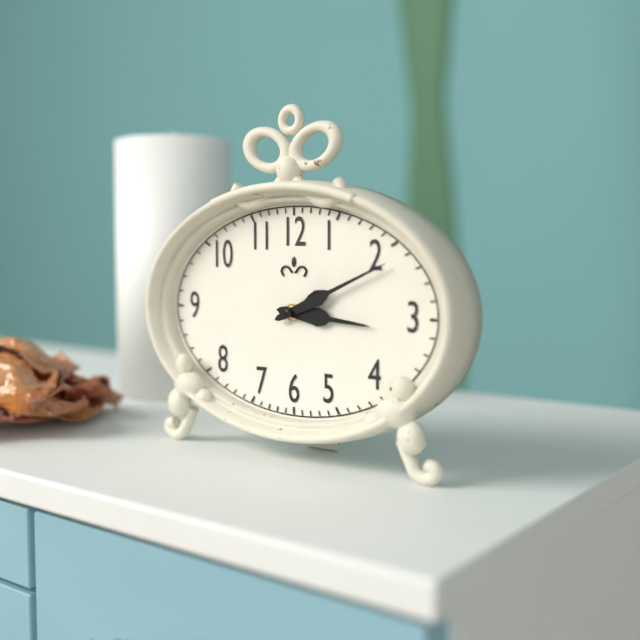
3.11
